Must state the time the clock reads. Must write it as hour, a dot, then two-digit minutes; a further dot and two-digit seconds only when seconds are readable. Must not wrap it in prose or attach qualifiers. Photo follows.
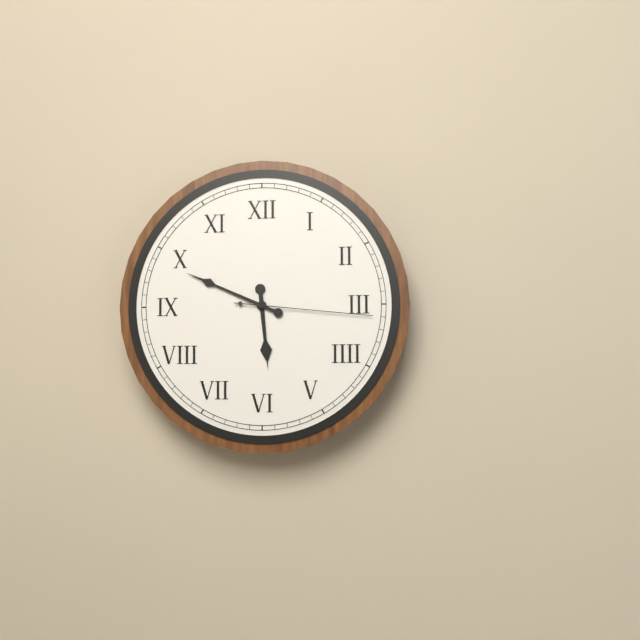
5.49.16
